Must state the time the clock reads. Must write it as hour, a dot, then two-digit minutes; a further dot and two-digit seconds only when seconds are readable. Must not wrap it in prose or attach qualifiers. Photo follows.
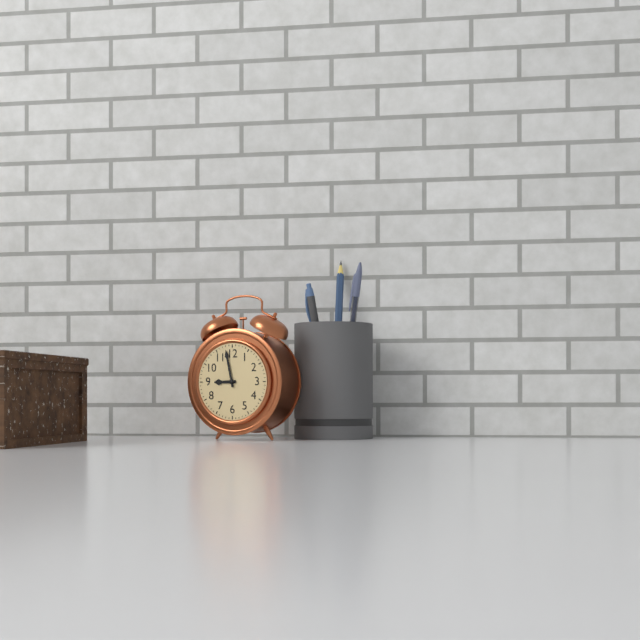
8.58
